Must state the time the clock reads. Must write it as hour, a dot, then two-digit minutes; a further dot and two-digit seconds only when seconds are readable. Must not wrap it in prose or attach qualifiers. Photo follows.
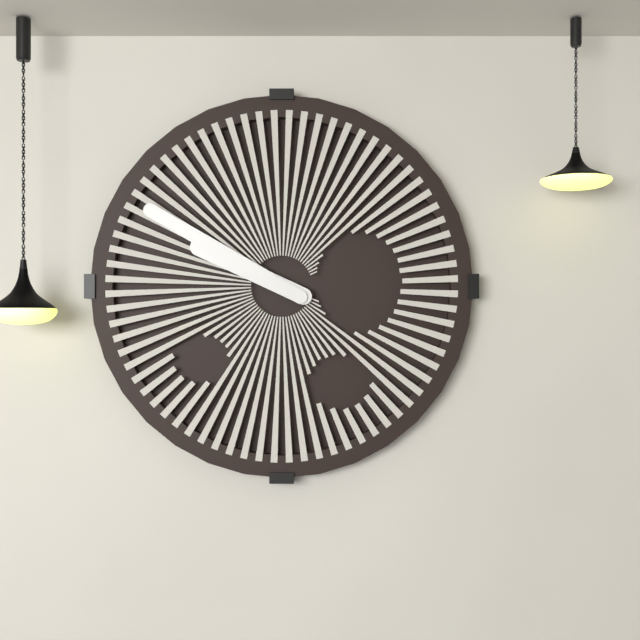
9.50
